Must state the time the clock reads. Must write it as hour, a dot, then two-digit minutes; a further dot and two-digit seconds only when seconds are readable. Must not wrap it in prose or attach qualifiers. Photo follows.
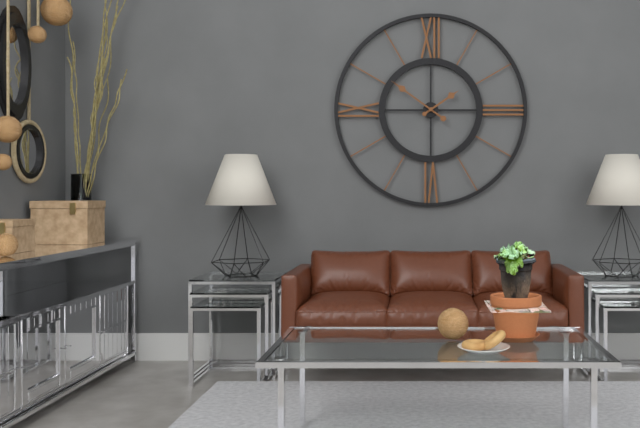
1.51
